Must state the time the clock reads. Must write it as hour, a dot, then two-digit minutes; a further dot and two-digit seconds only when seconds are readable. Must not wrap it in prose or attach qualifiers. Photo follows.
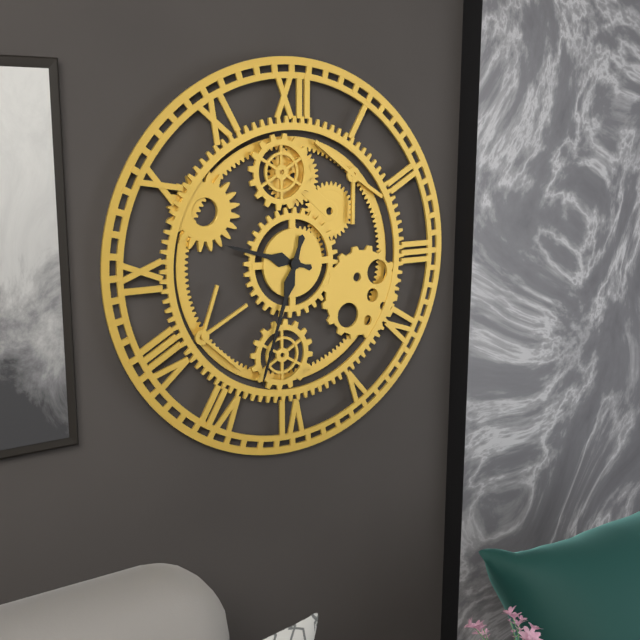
9.33
